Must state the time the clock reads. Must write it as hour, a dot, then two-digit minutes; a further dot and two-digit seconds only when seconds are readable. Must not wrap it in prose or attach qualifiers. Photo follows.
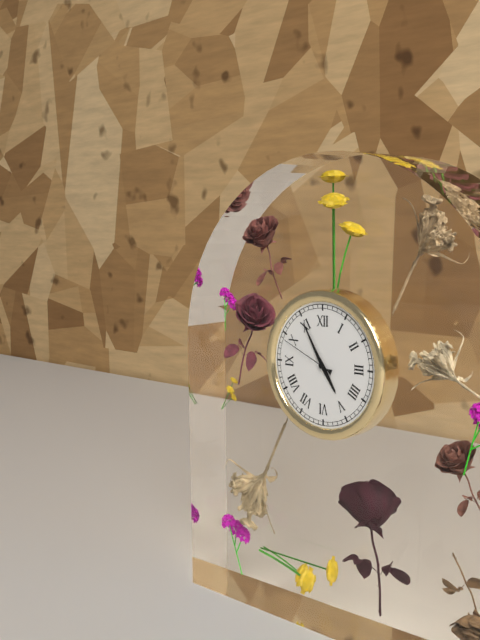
4.55.49
